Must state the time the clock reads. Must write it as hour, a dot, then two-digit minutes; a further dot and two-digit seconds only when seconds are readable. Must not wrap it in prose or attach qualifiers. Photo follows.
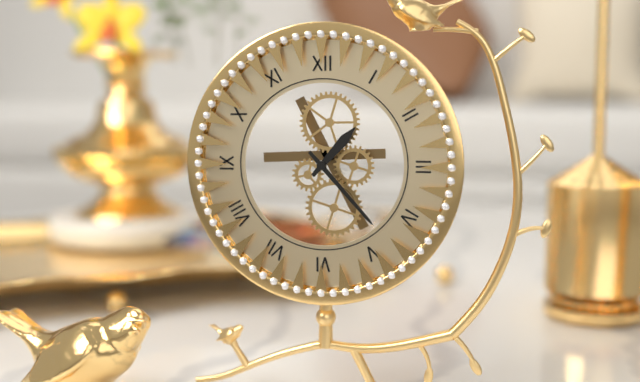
1.23
